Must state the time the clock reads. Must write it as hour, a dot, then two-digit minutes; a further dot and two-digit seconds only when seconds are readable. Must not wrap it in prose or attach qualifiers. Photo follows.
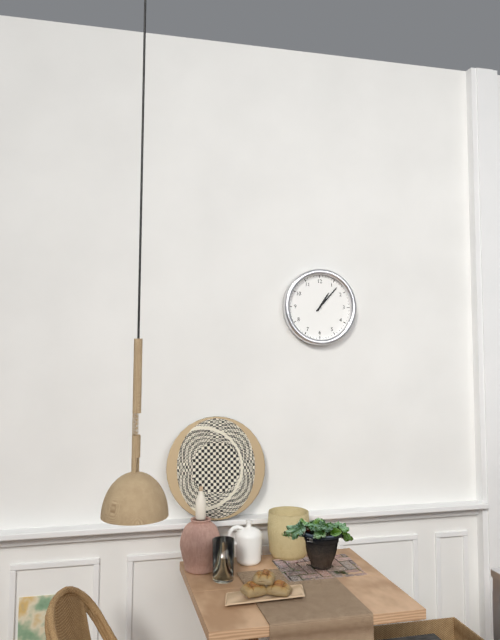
1.07
